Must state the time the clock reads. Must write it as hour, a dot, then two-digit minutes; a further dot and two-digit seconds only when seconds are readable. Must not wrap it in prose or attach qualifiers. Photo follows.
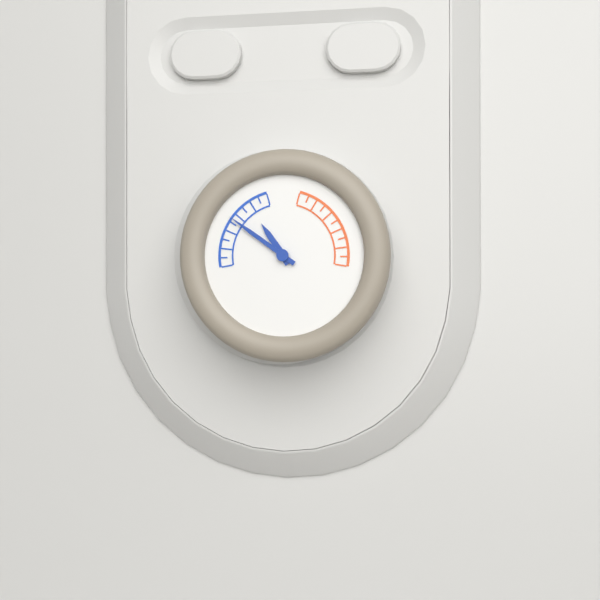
10.51
